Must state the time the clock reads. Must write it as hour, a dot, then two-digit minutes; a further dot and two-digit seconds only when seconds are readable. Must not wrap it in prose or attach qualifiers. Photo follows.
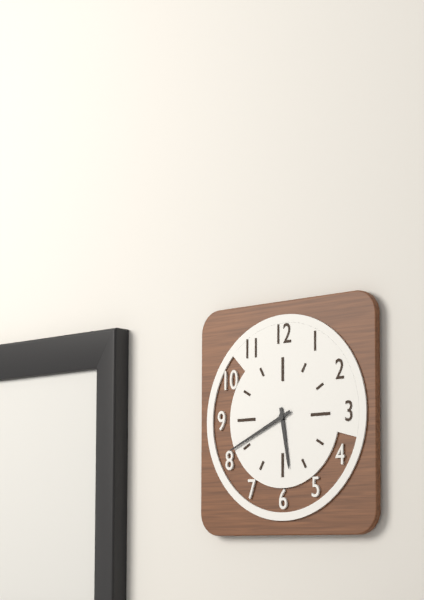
5.41
